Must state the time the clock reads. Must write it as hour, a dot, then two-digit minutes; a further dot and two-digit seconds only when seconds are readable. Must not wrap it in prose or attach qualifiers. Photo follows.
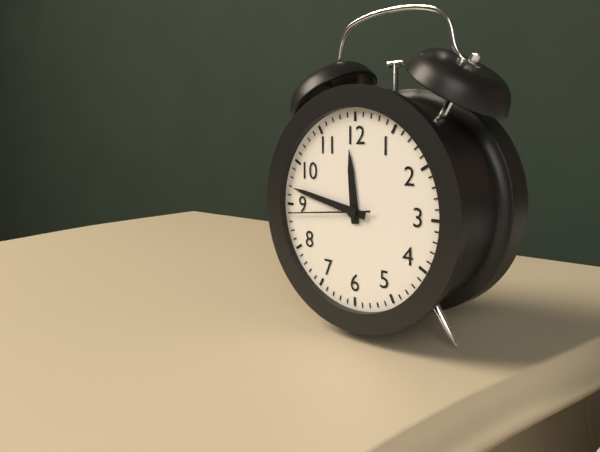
11.47.44
